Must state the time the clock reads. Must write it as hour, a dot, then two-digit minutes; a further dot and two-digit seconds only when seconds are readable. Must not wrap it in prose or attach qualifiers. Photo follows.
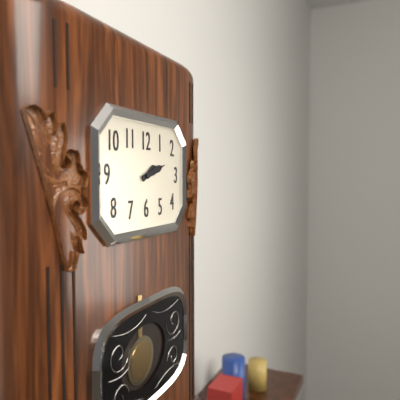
2.12
